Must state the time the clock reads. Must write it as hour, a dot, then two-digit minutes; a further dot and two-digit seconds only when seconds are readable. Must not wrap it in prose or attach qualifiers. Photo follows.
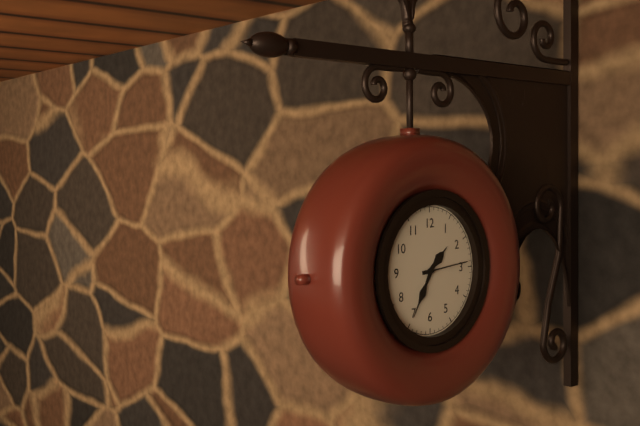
1.35.14
